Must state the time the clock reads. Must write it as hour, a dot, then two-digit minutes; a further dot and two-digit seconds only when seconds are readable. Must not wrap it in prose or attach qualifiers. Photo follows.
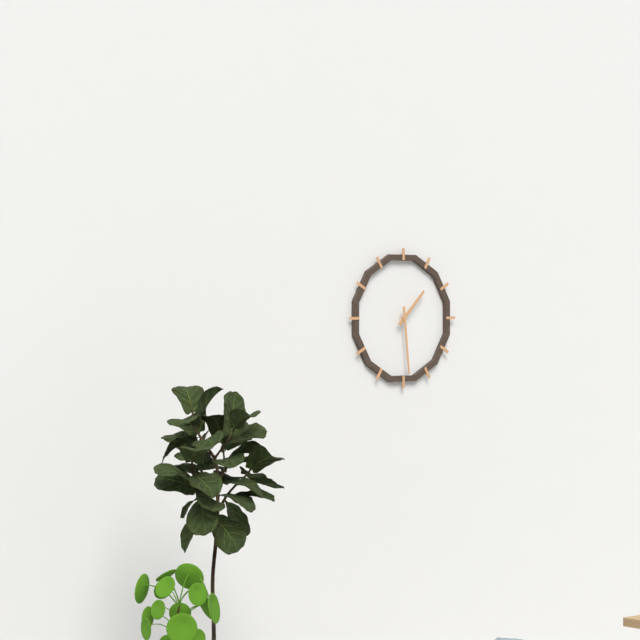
1.29
